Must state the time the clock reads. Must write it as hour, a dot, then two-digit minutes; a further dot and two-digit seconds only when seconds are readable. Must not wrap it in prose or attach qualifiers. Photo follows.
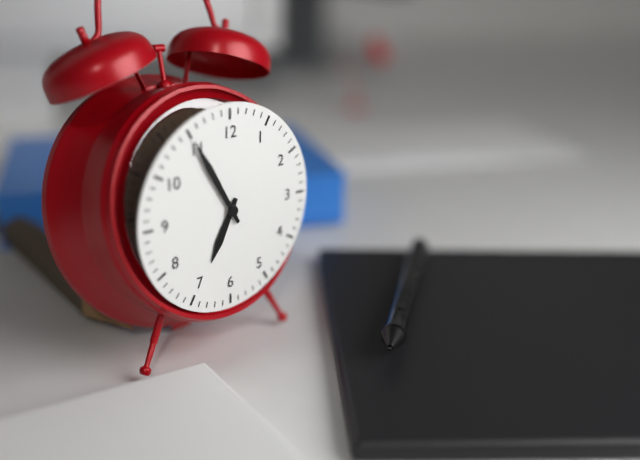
6.55
